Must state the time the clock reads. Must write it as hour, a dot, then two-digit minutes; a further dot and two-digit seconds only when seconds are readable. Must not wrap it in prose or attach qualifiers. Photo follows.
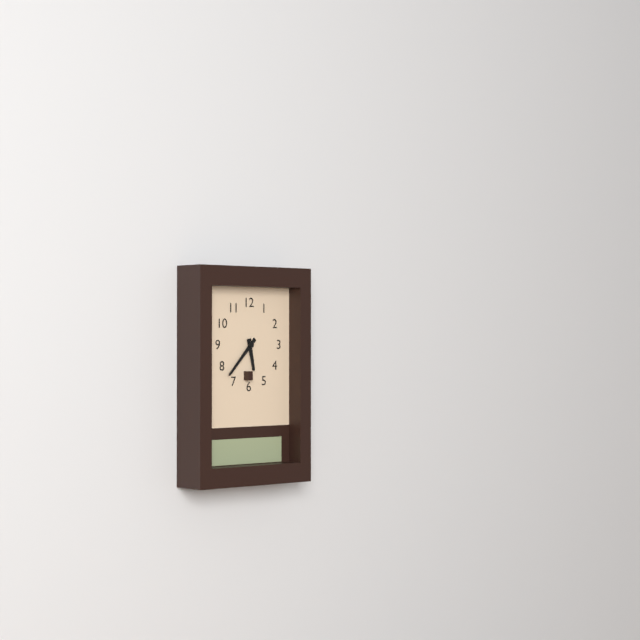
5.37
